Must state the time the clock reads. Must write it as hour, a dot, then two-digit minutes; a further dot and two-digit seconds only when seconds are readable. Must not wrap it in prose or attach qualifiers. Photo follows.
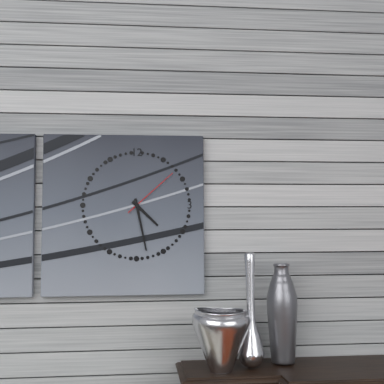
4.28.08
